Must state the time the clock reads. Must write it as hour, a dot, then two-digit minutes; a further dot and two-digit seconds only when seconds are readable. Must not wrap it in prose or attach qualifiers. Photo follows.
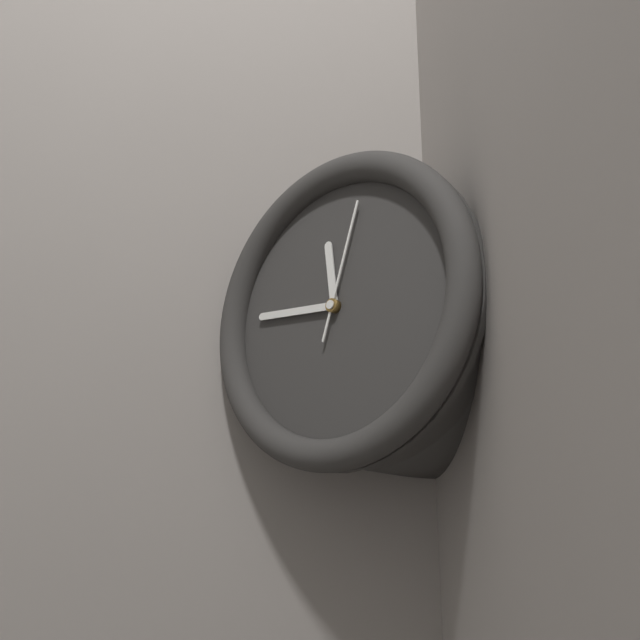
11.46.03
